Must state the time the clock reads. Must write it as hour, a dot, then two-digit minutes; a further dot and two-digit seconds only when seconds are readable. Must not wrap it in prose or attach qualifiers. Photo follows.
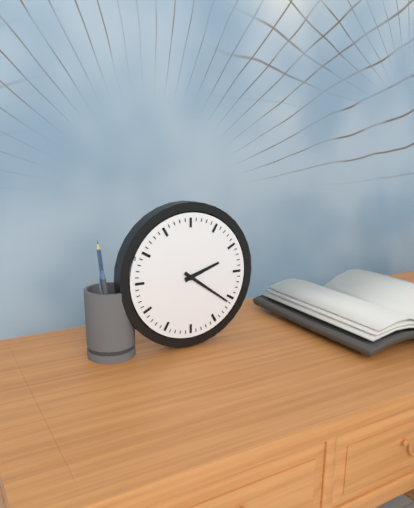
2.21
